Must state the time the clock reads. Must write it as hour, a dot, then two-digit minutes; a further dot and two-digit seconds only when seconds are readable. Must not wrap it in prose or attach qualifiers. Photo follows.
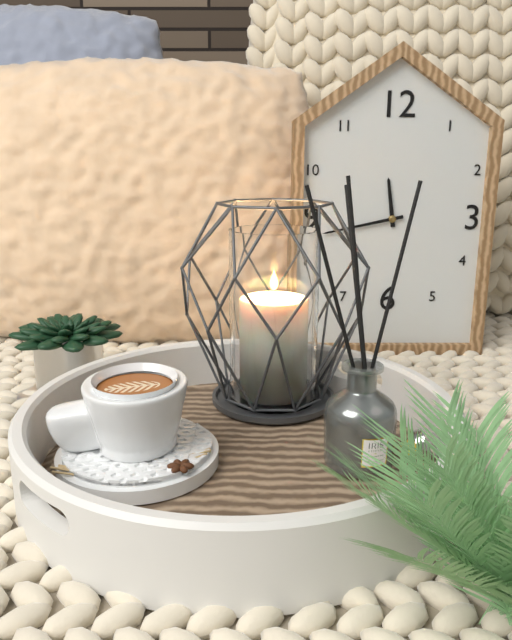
11.43
